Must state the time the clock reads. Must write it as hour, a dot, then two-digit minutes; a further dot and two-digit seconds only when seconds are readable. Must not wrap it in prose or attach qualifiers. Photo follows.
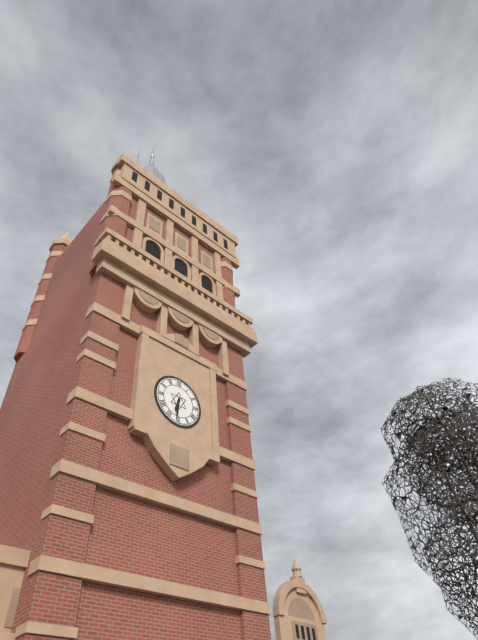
6.31
